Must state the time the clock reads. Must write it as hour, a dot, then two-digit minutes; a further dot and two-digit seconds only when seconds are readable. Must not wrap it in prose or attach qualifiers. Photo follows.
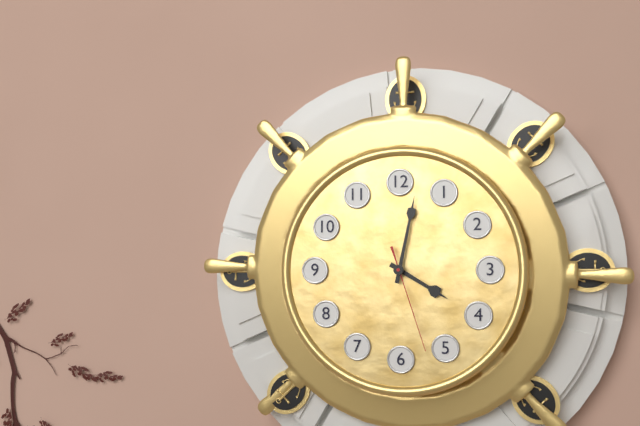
4.02.27
